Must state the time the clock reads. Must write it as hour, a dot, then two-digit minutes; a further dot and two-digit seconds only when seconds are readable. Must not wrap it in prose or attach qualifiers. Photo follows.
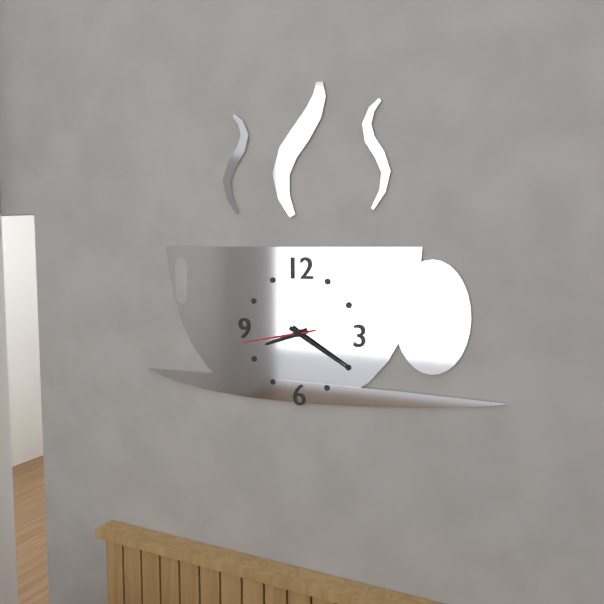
8.20.43
